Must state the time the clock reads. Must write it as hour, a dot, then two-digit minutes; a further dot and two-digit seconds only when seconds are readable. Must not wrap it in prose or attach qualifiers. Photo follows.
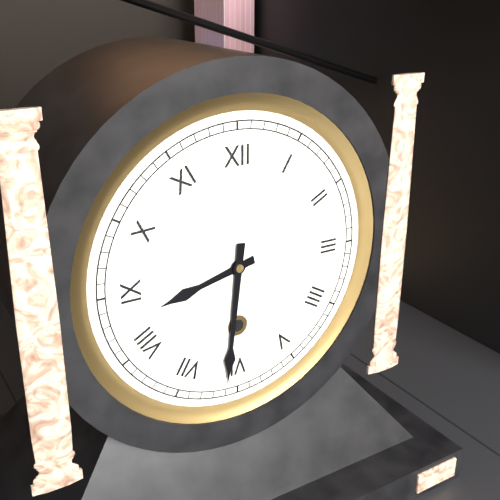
8.31
